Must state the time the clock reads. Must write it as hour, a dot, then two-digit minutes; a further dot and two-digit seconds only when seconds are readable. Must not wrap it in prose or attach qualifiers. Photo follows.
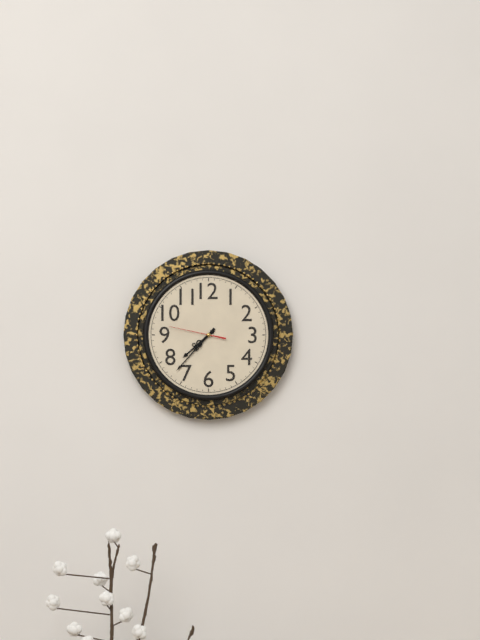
7.37.47
